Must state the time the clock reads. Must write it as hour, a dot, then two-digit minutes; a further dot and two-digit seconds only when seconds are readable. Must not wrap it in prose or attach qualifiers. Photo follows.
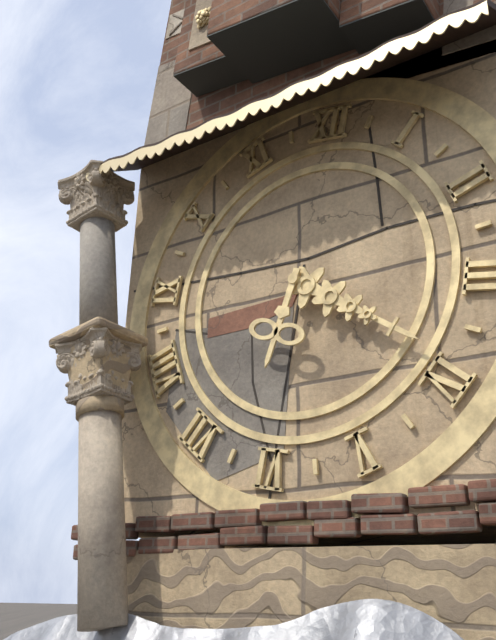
6.19
